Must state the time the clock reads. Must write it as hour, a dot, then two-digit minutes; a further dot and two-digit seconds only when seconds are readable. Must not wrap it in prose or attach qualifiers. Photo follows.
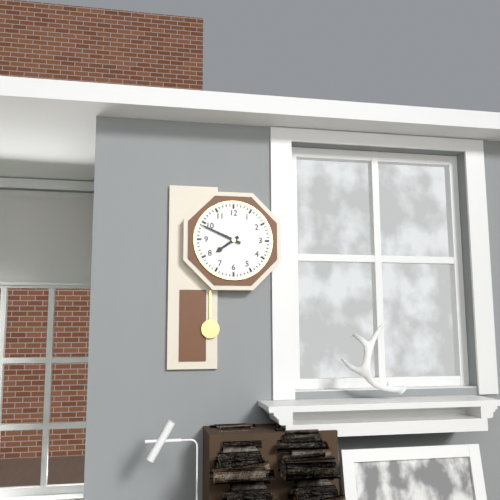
7.49
